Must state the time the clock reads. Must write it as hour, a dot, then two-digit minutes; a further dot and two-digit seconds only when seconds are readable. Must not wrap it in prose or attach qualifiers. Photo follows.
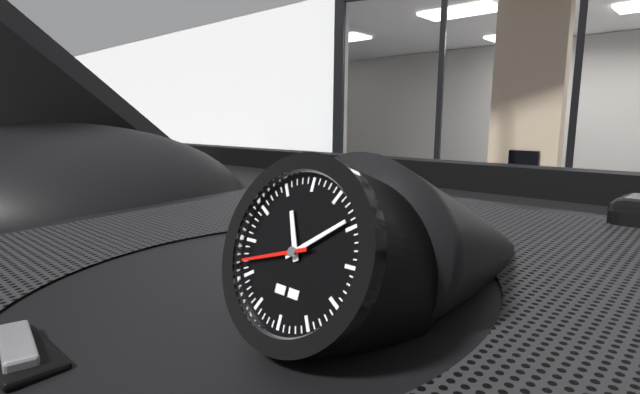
11.09.42
